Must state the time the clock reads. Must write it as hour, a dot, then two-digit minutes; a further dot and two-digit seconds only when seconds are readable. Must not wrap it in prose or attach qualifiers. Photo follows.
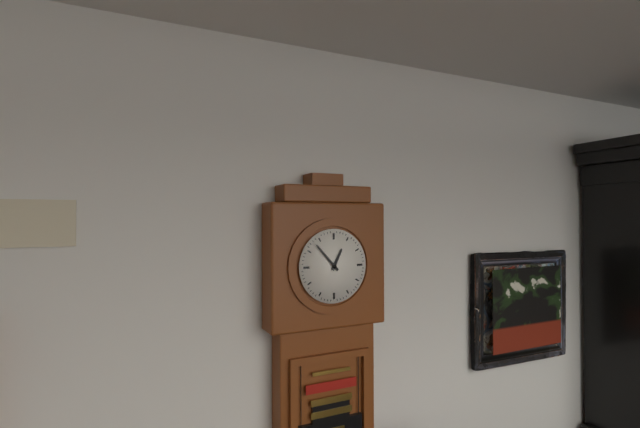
12.53
